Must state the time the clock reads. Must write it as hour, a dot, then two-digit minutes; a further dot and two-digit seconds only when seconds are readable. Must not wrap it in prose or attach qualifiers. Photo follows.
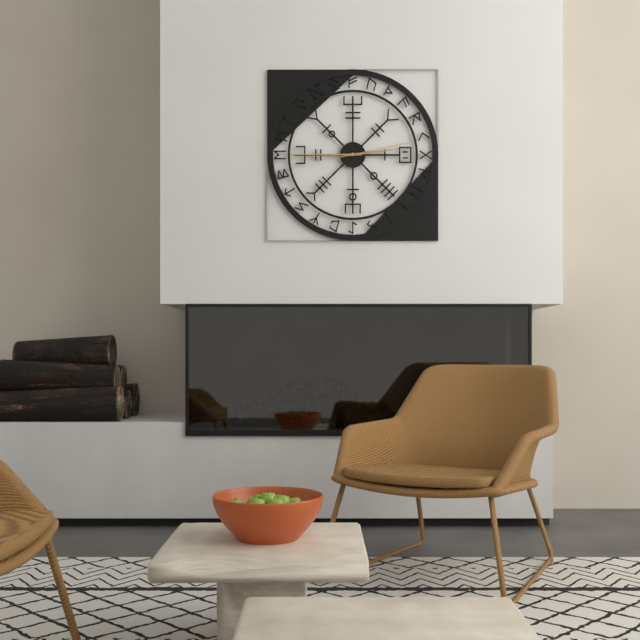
2.45.13
